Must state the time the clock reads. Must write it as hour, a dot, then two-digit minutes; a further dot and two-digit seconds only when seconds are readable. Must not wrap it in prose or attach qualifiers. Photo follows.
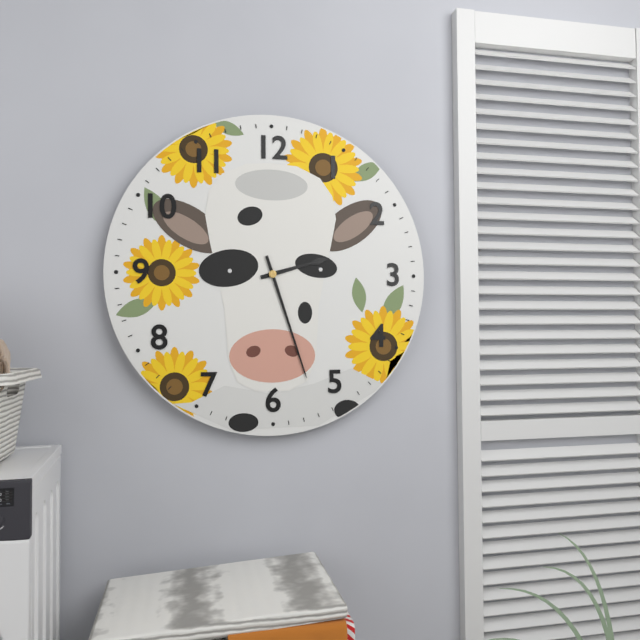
2.27
